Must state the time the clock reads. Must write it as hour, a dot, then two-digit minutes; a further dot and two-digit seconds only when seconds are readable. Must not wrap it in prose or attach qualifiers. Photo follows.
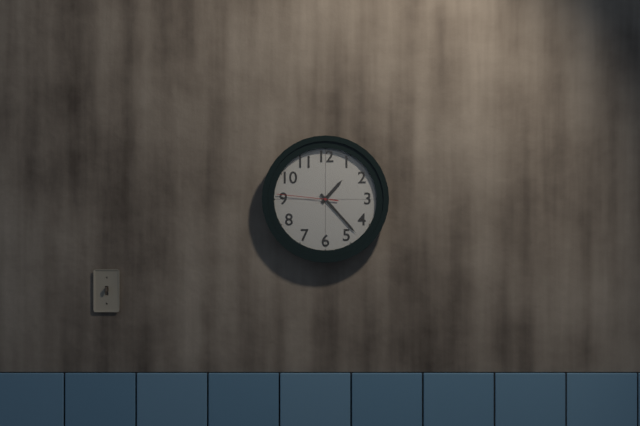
1.23.46
